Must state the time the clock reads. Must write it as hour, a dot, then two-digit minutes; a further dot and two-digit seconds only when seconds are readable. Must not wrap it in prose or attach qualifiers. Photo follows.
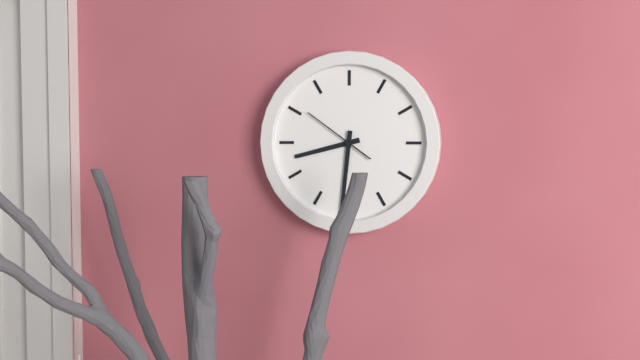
8.31.51
